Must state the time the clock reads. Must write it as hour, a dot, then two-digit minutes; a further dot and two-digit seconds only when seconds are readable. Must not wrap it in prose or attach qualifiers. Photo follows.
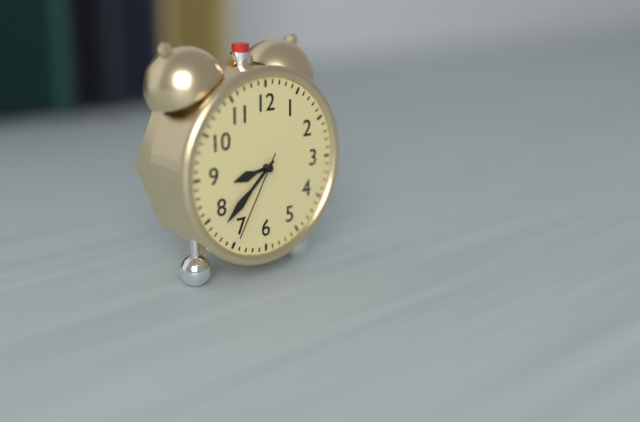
8.38.35
